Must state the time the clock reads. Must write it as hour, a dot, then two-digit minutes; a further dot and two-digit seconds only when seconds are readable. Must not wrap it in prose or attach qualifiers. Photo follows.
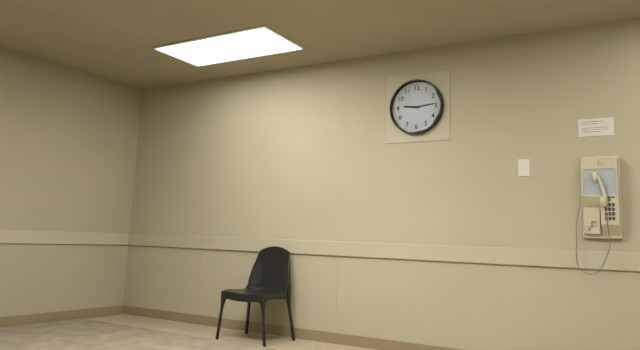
9.14
